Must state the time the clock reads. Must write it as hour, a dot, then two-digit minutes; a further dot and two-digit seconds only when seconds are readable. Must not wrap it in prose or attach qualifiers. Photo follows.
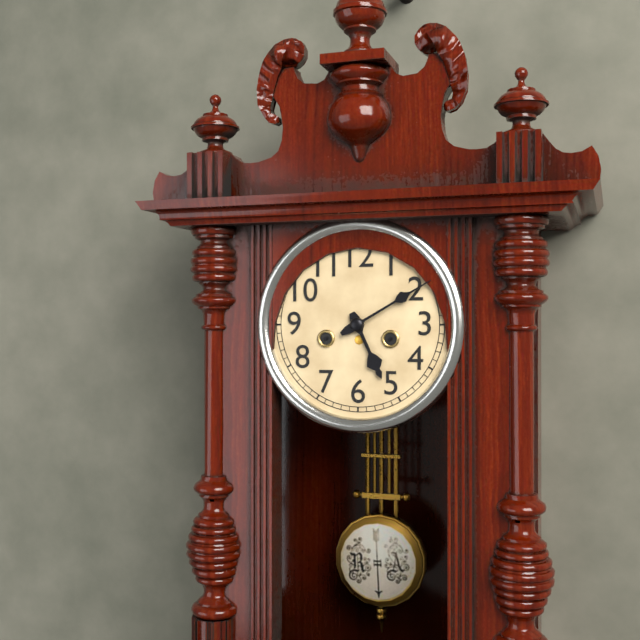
5.10
